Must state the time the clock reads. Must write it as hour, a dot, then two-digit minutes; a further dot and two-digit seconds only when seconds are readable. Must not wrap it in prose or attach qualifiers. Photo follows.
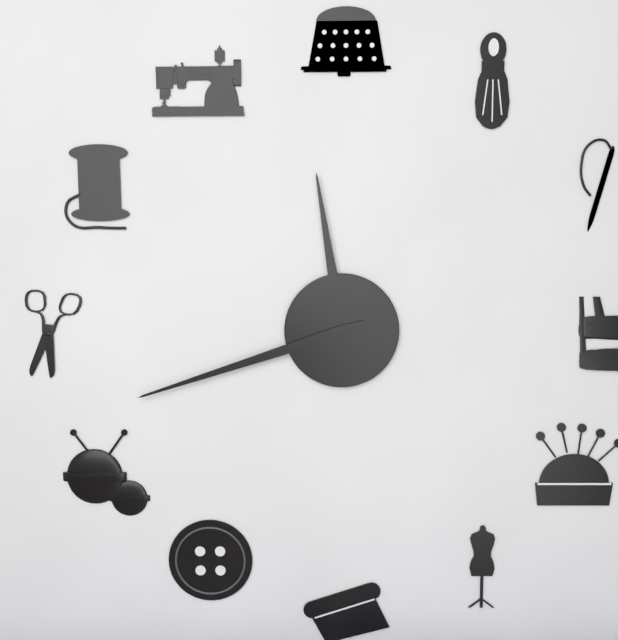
11.42
